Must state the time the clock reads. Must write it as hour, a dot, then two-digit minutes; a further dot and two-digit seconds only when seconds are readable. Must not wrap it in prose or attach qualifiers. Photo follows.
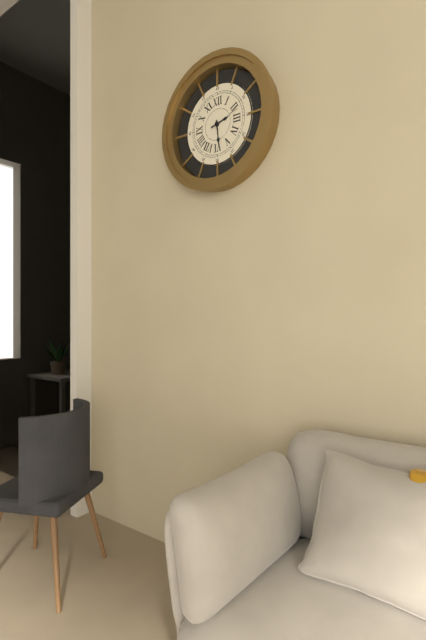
2.29
